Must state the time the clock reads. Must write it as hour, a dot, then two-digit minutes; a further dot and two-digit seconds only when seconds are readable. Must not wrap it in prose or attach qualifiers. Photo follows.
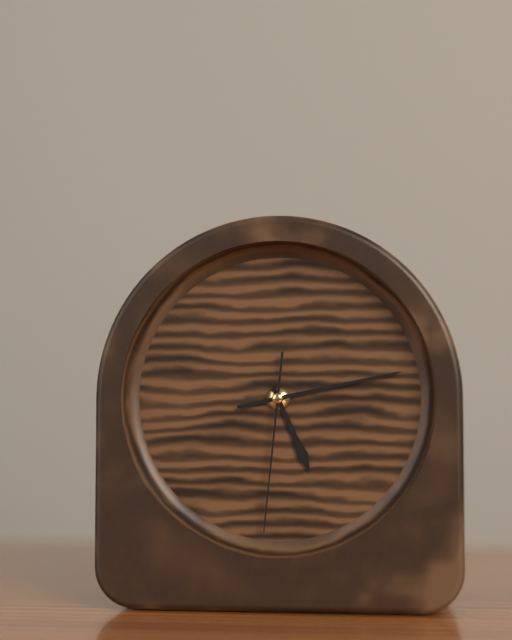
5.13.31
